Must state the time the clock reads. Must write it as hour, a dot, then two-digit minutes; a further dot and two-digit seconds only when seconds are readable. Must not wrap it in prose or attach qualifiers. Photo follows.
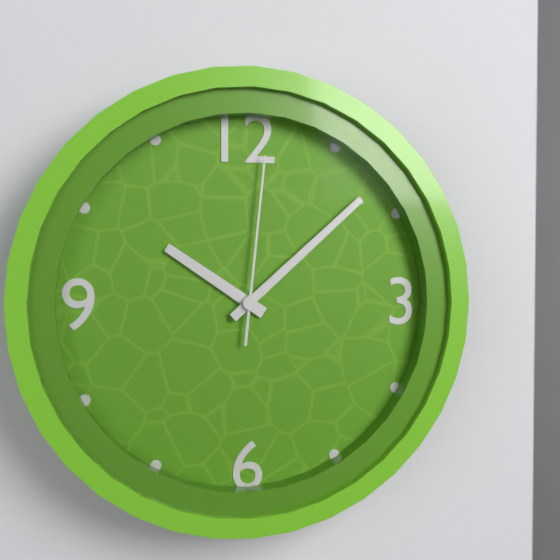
10.08.01
